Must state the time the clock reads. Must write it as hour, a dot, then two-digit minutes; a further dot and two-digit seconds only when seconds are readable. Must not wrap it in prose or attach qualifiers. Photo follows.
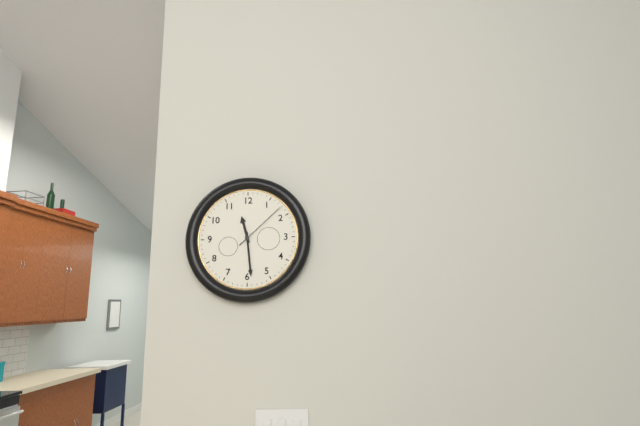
11.29.08
